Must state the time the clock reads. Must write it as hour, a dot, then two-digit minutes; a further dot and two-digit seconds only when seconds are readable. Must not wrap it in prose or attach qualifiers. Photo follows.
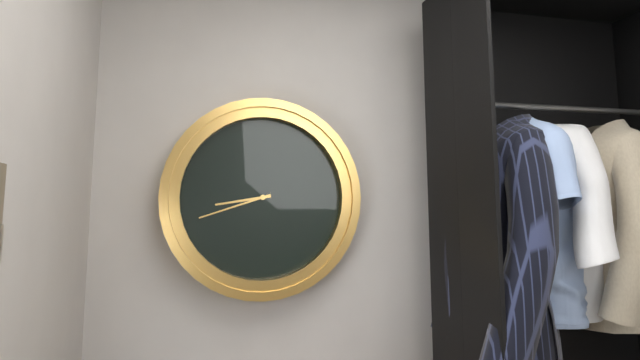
8.42
